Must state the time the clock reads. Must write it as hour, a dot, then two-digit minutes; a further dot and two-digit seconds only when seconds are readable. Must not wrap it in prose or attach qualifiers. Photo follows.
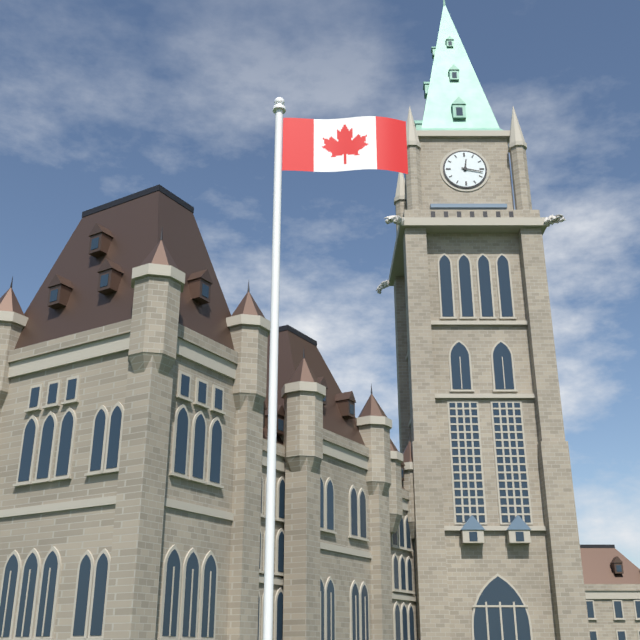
12.17
